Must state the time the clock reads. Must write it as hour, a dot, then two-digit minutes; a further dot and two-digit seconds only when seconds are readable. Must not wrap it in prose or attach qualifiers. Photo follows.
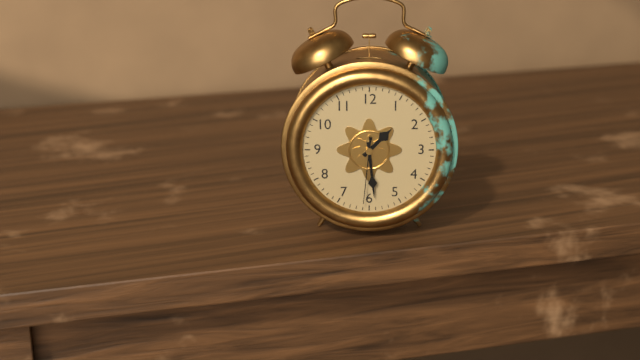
1.29.31
